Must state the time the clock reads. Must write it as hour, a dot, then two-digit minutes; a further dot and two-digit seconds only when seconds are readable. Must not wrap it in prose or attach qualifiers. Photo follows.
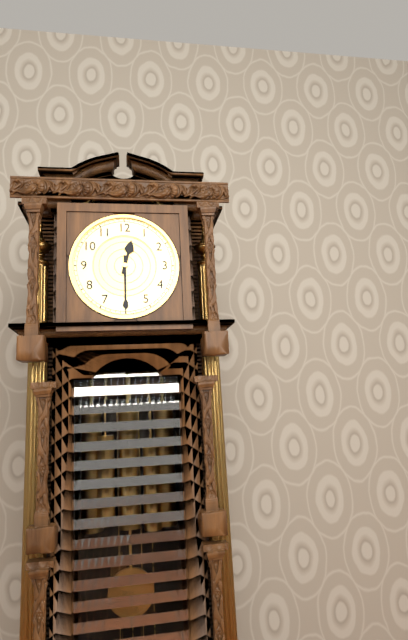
12.30
